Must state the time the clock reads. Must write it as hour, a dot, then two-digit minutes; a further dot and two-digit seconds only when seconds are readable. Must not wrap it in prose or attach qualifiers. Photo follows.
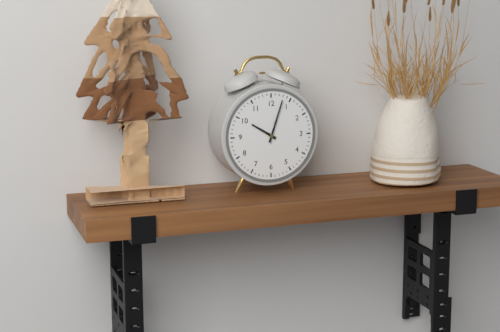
10.03
